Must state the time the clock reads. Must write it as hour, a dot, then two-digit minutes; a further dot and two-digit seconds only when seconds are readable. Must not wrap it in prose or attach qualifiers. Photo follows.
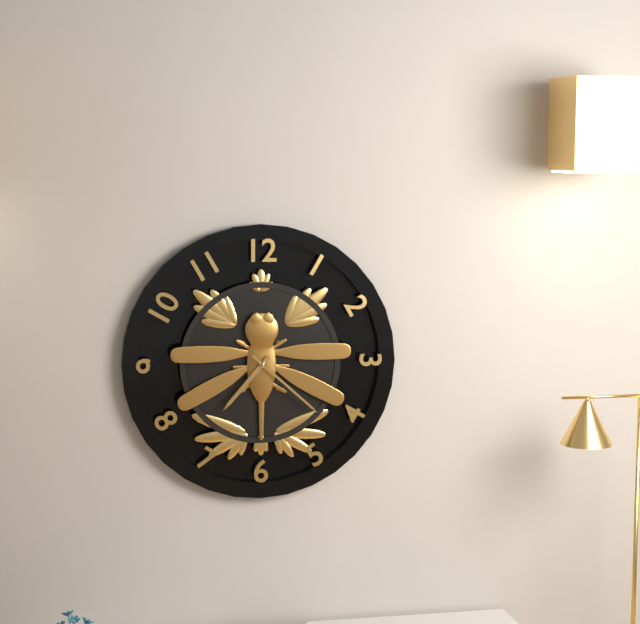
7.22
